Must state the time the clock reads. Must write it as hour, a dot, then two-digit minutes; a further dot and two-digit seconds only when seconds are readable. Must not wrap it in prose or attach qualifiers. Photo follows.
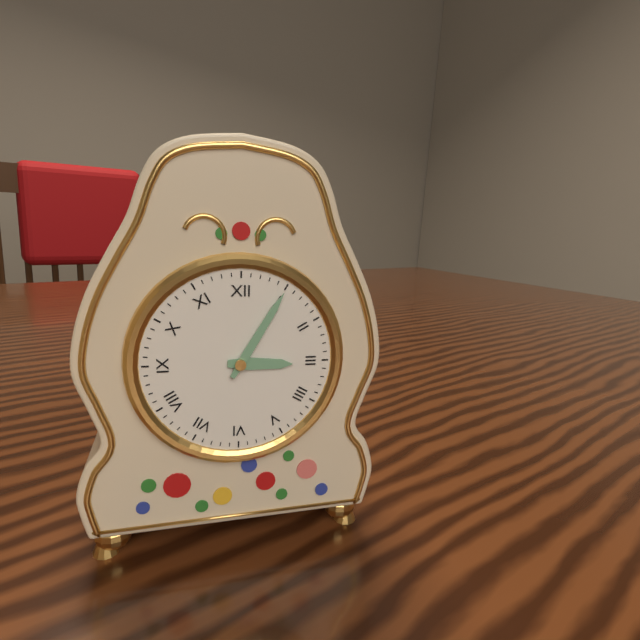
3.05
